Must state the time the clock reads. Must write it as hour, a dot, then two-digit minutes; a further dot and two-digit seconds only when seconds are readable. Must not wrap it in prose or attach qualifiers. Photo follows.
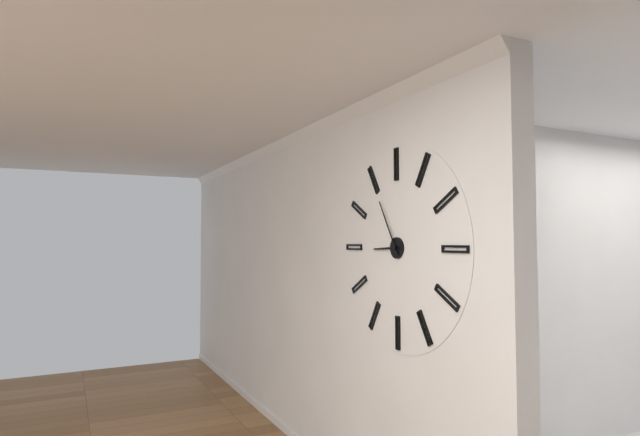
8.55
